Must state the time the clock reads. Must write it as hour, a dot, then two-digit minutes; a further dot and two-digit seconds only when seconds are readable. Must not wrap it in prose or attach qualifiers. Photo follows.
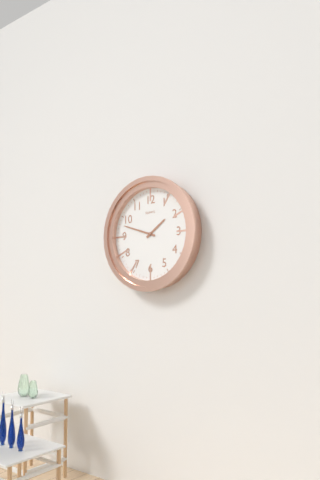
1.48
